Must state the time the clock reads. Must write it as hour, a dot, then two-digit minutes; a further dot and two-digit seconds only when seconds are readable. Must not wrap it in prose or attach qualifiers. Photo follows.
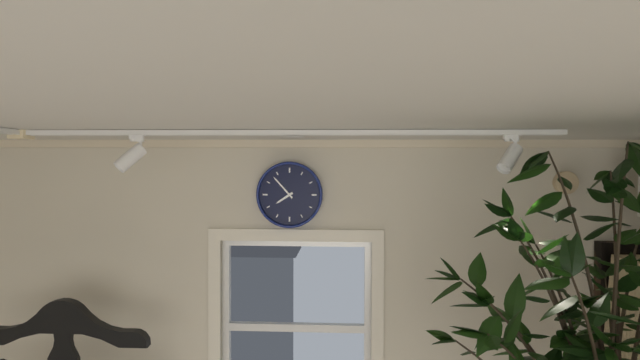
7.53
